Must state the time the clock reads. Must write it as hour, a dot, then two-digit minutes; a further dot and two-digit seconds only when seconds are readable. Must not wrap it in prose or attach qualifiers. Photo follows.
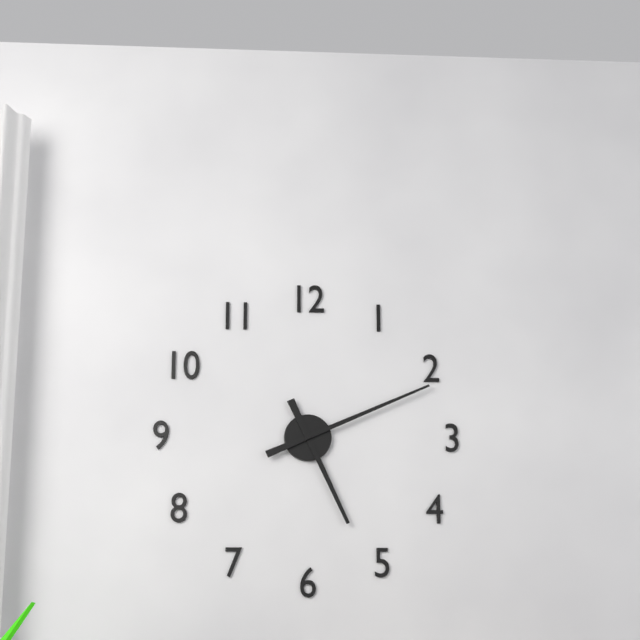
5.11
